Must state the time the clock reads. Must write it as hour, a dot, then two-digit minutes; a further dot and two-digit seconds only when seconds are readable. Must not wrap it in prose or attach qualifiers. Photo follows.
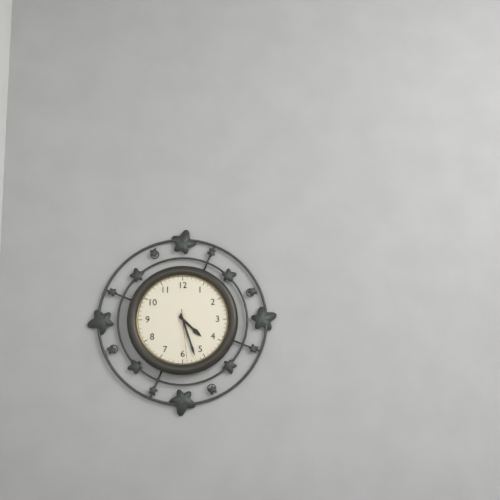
4.27.29
